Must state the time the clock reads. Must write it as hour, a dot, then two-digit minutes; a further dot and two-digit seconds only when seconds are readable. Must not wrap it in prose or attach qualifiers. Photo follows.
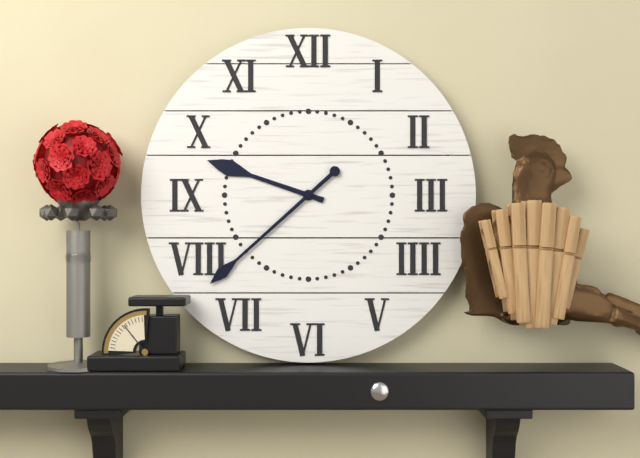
9.38
